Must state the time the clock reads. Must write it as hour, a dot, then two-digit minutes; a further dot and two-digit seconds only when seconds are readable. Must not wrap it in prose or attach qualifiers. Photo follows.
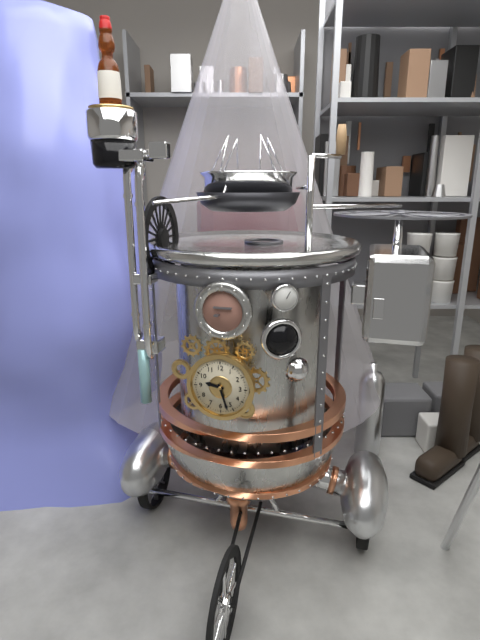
9.27
